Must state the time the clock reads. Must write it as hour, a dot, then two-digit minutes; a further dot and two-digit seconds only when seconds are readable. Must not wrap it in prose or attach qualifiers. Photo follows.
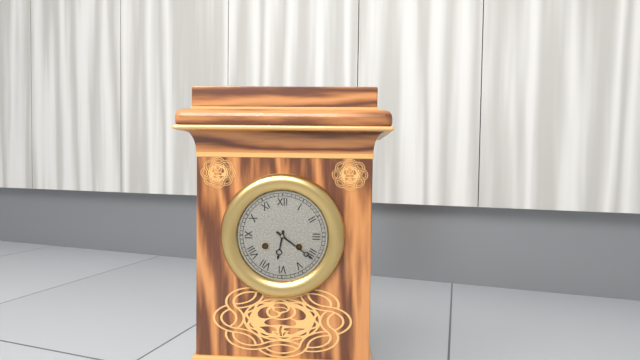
6.21
